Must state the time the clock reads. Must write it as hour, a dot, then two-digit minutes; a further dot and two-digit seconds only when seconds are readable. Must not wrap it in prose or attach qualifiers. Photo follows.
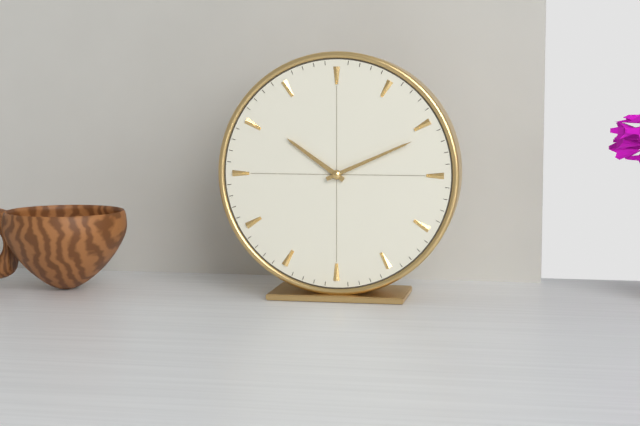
10.11
